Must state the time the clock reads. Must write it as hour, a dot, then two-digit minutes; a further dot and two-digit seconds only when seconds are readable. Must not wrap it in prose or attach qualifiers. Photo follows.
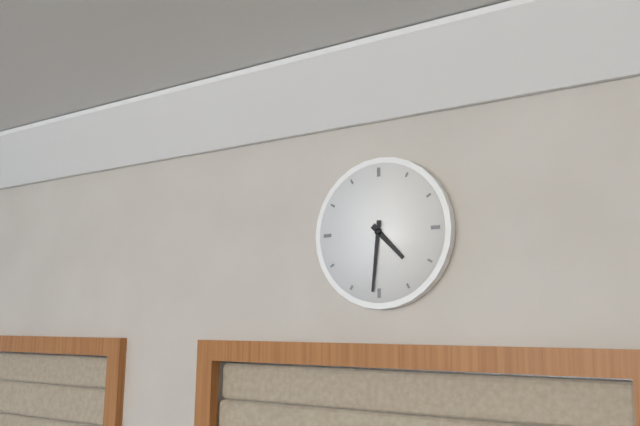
4.31
